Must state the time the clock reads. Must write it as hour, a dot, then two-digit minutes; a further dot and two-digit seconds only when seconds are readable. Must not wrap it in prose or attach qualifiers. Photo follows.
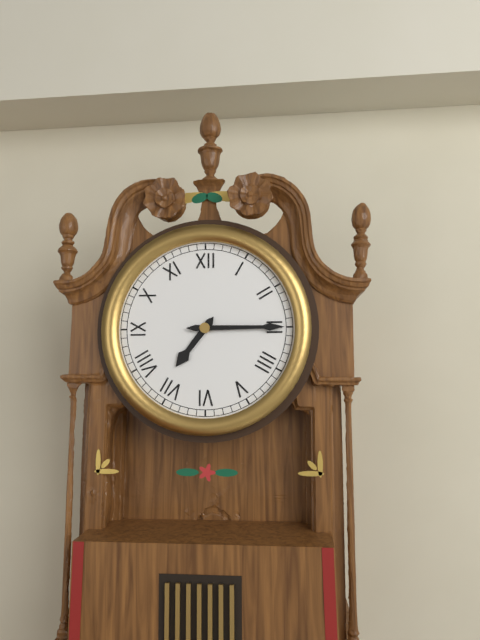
7.15
